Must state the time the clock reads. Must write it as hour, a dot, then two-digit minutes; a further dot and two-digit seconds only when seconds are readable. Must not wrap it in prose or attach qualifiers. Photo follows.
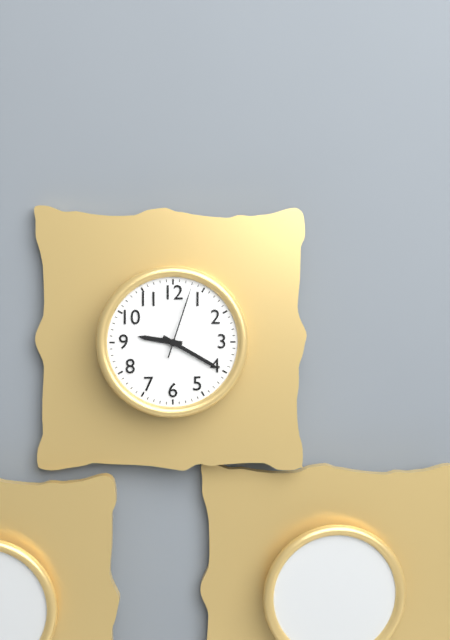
9.20.03
